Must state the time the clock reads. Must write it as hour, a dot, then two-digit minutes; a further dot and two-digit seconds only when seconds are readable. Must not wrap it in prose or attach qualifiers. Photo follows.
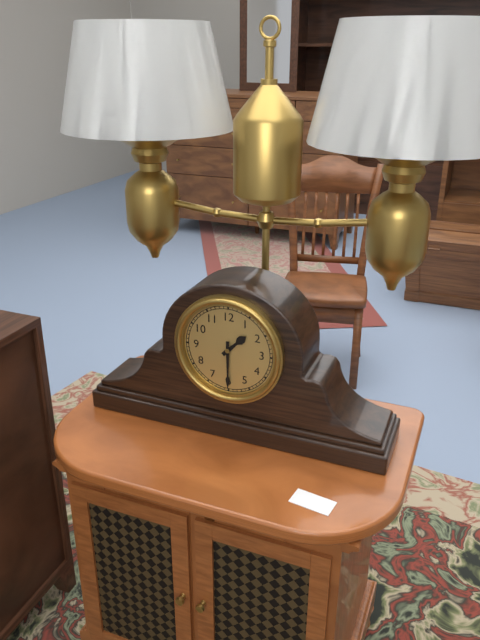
1.30
